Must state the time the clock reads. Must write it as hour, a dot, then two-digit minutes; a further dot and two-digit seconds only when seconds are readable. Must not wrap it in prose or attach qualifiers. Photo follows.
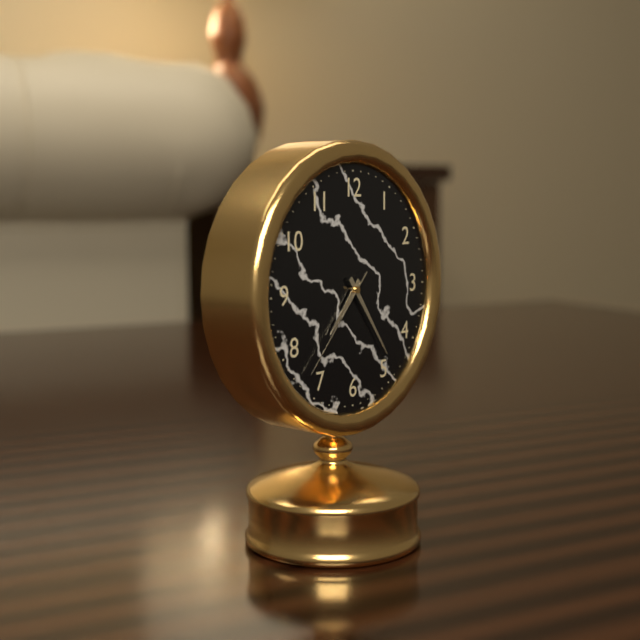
7.24.37
